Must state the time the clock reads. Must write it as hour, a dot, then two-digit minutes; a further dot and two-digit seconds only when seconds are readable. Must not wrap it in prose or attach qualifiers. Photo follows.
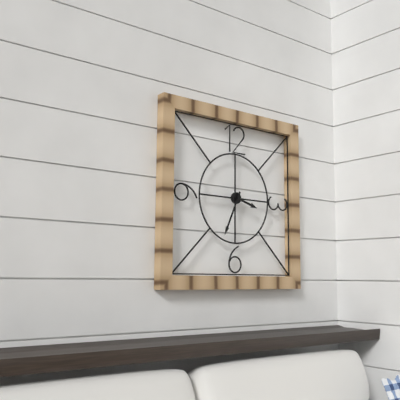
3.34
